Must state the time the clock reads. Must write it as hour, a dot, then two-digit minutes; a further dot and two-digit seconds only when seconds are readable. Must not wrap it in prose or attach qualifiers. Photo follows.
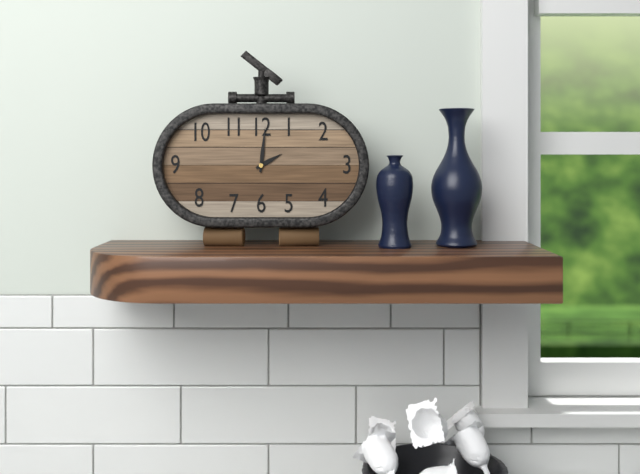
2.01
